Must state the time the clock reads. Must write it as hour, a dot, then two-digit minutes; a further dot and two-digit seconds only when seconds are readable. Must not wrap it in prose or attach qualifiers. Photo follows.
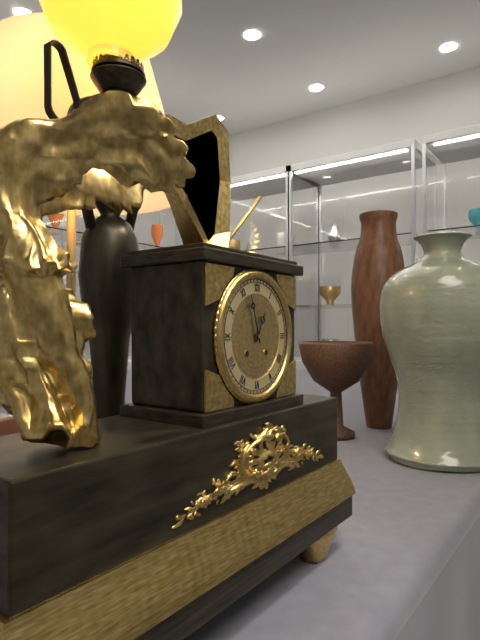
12.57
